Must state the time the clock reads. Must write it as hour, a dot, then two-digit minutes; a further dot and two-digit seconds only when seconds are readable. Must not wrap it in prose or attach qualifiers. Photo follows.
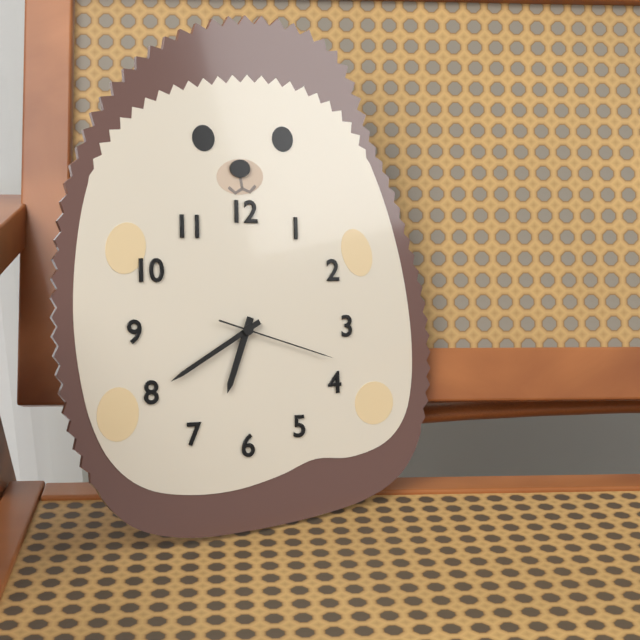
6.40.18
